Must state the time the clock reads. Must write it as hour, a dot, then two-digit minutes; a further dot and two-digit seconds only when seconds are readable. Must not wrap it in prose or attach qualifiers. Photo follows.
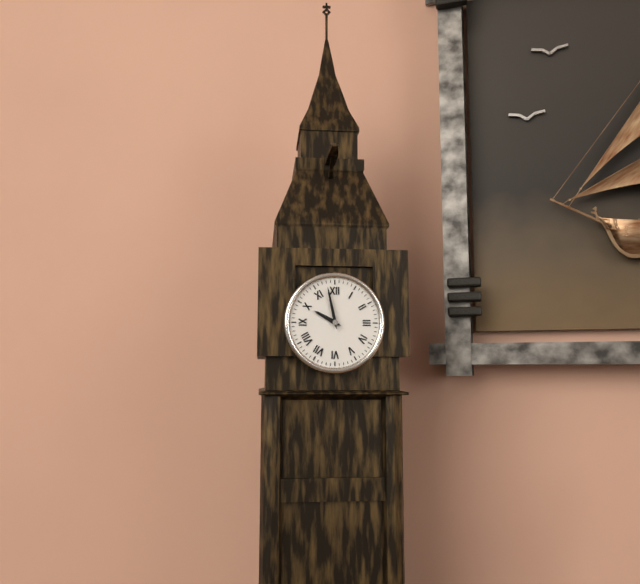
9.58
